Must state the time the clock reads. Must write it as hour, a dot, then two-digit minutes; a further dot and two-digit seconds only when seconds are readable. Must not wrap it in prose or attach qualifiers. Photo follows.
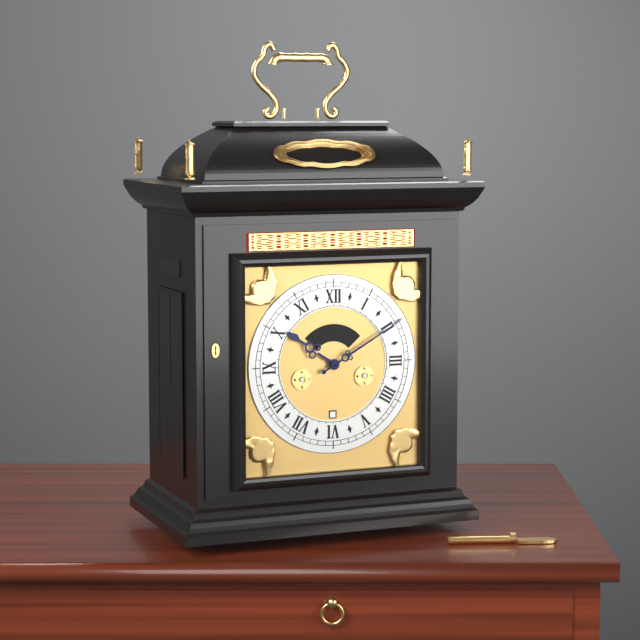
10.10
